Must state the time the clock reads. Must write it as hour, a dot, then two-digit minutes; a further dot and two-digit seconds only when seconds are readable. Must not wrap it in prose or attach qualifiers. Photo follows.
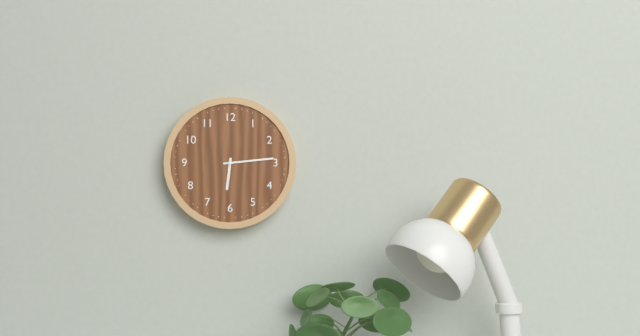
6.14
